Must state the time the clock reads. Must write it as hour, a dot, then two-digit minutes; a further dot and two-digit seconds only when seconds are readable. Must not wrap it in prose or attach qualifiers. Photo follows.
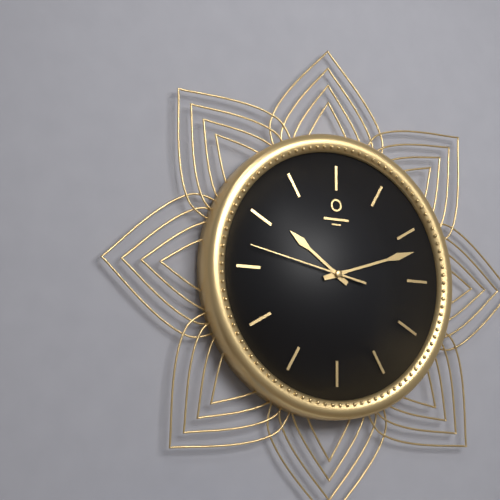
10.12.47
